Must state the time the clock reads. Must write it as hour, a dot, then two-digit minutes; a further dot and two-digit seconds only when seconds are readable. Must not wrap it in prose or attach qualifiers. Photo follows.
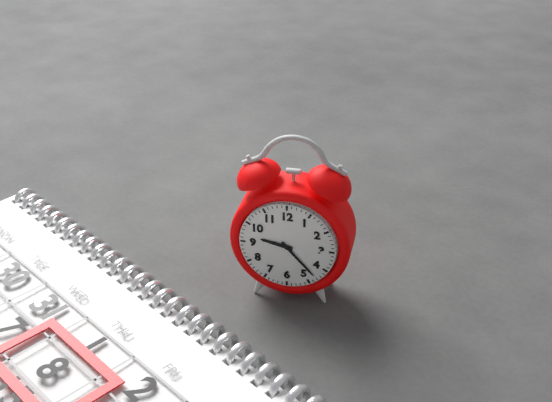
9.23
